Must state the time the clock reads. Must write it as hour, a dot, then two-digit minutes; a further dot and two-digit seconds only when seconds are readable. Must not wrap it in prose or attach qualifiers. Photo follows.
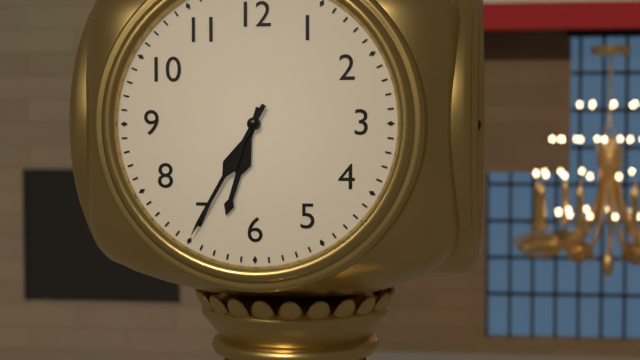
6.35
